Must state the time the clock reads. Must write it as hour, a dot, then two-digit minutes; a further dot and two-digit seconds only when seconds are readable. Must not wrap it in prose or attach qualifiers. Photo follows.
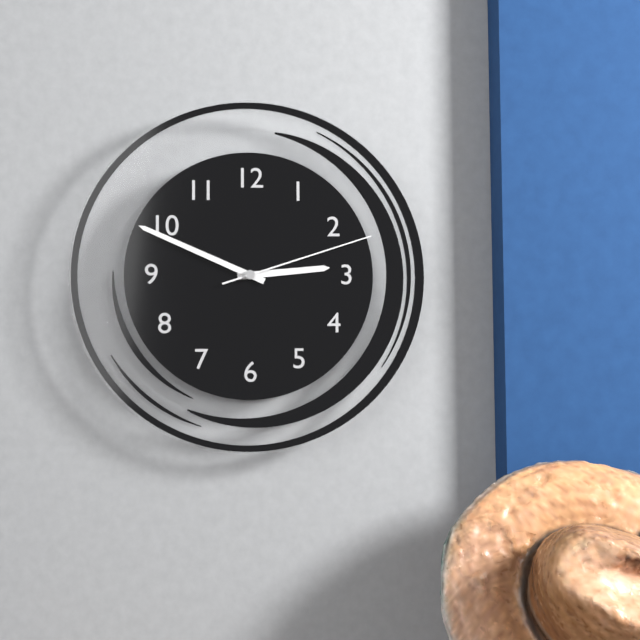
2.49.12
